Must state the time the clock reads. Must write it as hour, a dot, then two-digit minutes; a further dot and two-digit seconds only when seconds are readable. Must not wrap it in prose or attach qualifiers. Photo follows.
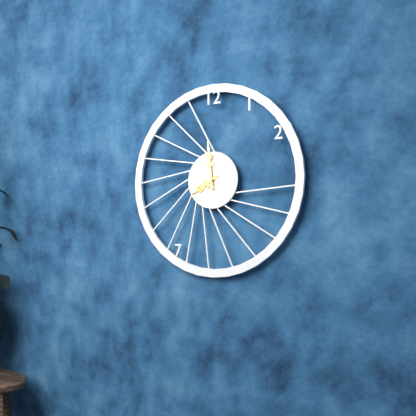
7.59
